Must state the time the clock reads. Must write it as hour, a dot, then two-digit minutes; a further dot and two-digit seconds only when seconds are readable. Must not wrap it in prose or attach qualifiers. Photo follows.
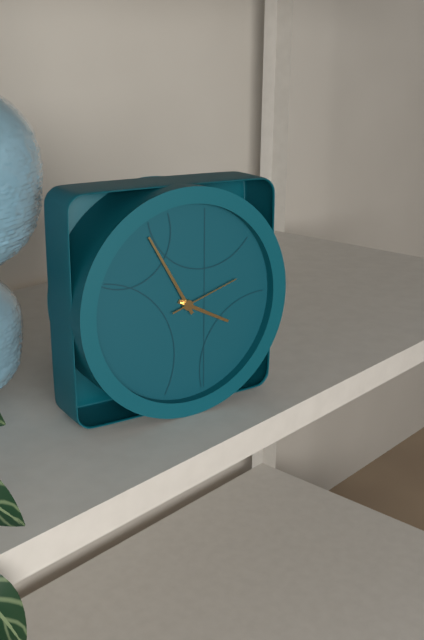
3.55.12
